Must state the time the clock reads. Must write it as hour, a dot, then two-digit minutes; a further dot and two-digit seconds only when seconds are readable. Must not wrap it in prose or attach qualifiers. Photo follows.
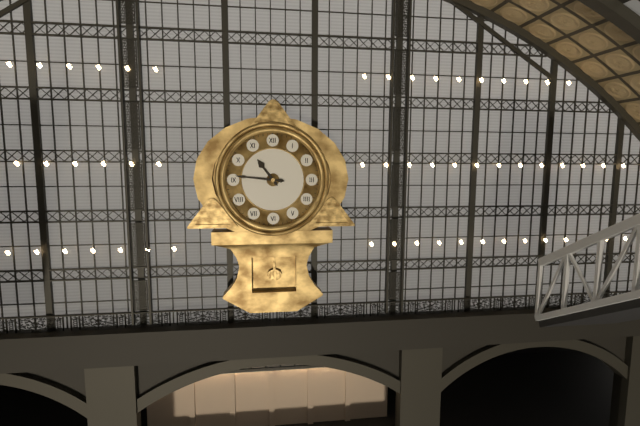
10.46
